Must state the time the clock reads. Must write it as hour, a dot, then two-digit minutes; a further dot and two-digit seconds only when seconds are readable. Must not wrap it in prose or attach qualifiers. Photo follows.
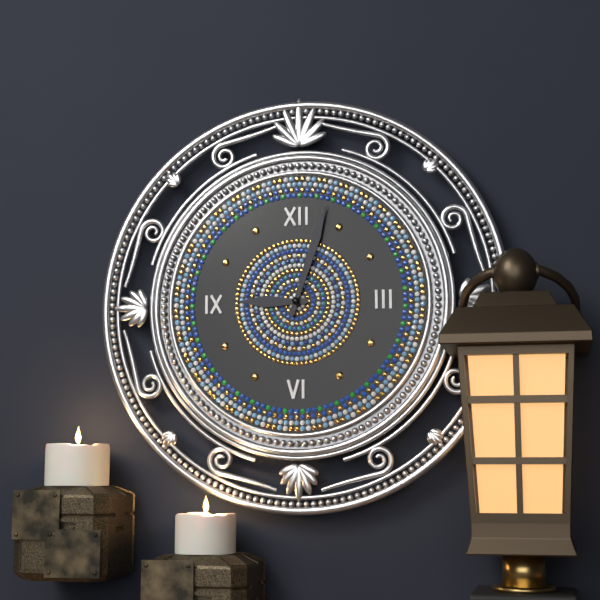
9.03
